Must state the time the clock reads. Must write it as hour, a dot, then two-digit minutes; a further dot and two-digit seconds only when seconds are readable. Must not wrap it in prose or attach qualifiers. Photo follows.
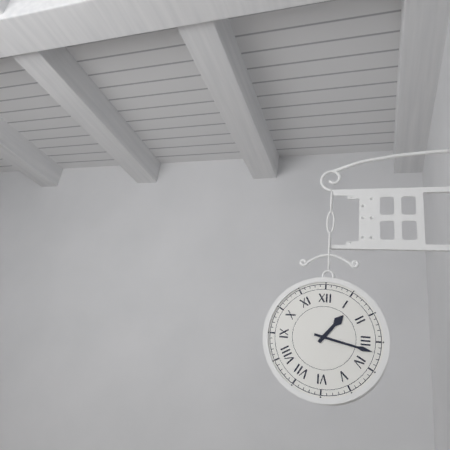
1.17
